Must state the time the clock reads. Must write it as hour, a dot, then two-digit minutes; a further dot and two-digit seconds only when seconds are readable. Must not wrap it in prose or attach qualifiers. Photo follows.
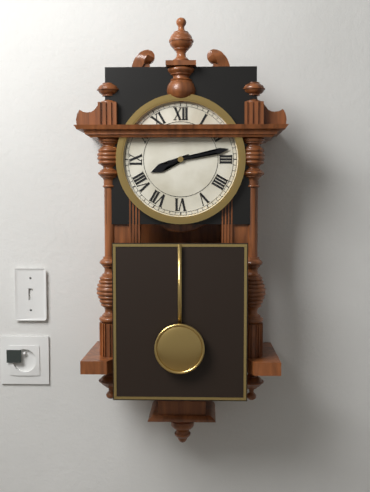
8.13
